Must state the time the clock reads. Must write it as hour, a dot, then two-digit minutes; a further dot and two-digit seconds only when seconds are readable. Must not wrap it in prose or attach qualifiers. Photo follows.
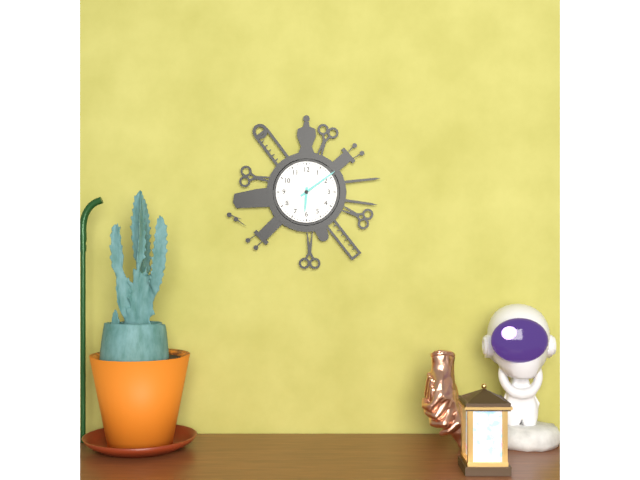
6.09
